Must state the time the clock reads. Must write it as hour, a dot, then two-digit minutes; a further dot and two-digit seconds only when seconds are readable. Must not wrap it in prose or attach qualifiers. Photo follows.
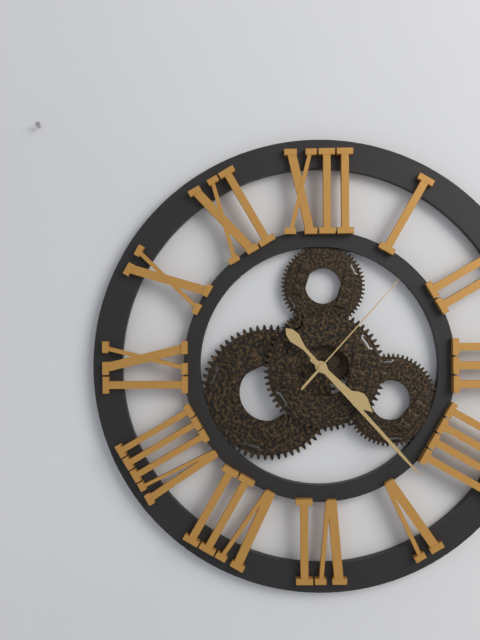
4.23.07
